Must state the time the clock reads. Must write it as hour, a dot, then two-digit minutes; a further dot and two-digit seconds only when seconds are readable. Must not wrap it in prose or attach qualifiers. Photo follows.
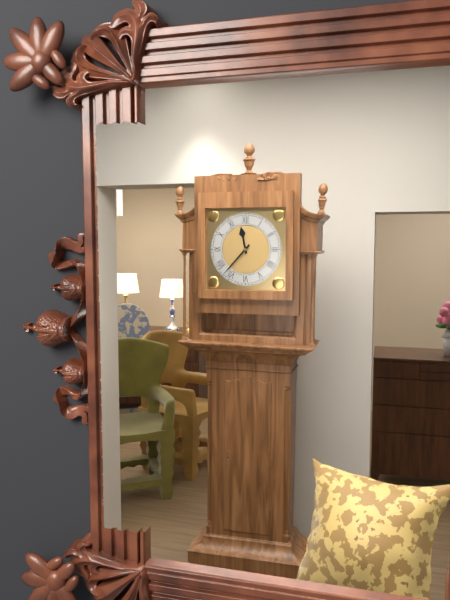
11.37
